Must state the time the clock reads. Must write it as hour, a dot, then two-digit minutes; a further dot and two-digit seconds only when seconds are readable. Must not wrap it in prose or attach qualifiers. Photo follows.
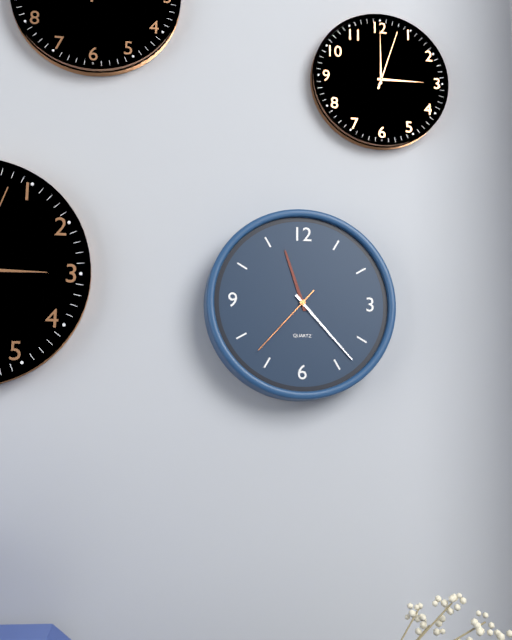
11.23.37
